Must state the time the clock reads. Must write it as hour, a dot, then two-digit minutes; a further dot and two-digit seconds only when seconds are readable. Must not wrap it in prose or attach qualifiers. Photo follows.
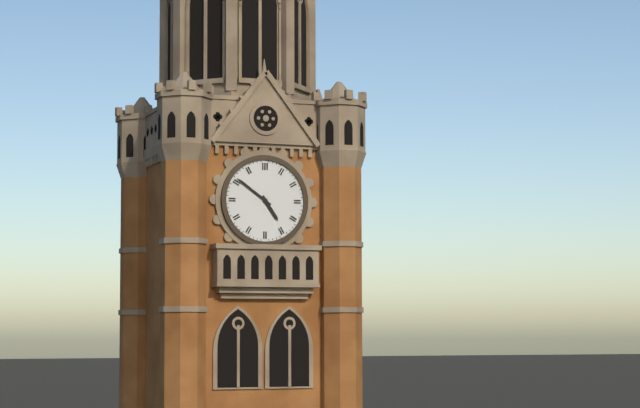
4.51
